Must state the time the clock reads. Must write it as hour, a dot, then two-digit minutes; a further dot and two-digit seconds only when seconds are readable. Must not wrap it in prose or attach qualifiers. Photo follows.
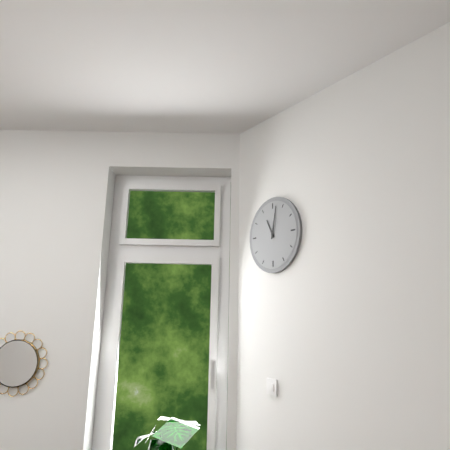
11.02
